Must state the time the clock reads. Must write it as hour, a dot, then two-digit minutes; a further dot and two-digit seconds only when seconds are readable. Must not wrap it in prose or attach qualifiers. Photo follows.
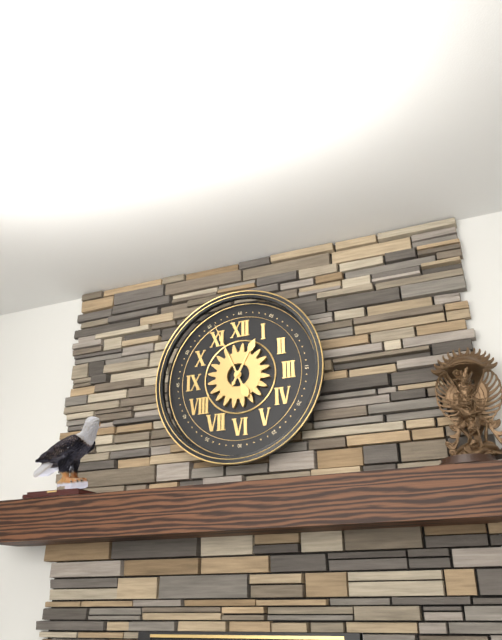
12.56
